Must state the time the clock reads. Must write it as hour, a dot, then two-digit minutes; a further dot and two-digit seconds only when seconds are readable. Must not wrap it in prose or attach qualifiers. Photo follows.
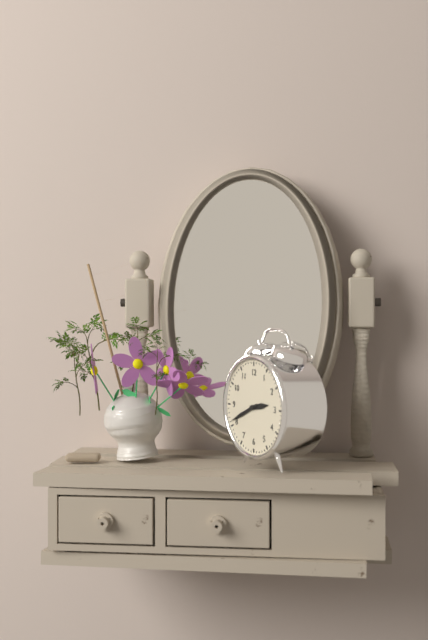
2.41
